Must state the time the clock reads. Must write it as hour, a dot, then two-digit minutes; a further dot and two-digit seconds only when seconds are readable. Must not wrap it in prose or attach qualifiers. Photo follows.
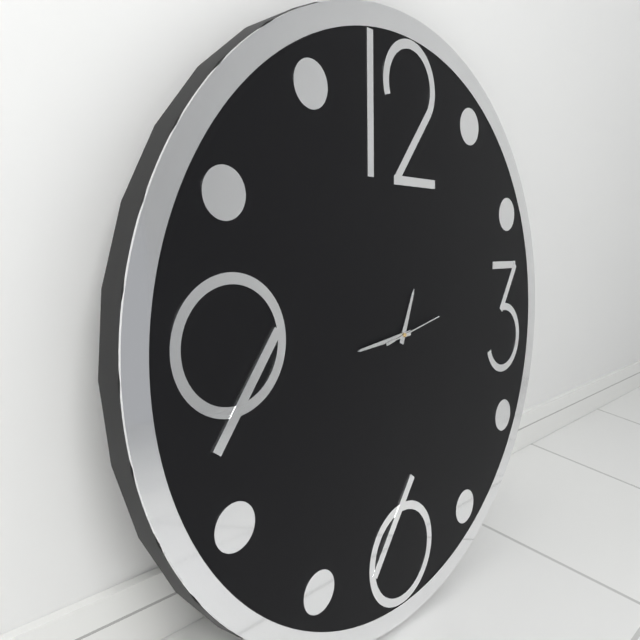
12.44.13
